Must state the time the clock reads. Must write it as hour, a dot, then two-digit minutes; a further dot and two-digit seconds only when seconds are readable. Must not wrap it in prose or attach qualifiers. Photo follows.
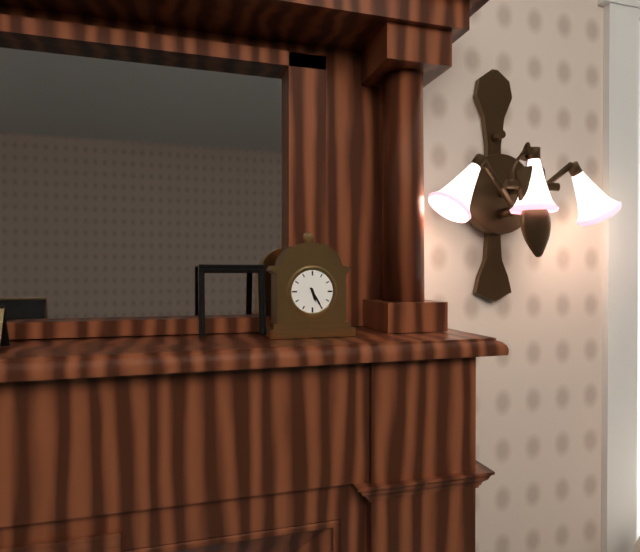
5.25
